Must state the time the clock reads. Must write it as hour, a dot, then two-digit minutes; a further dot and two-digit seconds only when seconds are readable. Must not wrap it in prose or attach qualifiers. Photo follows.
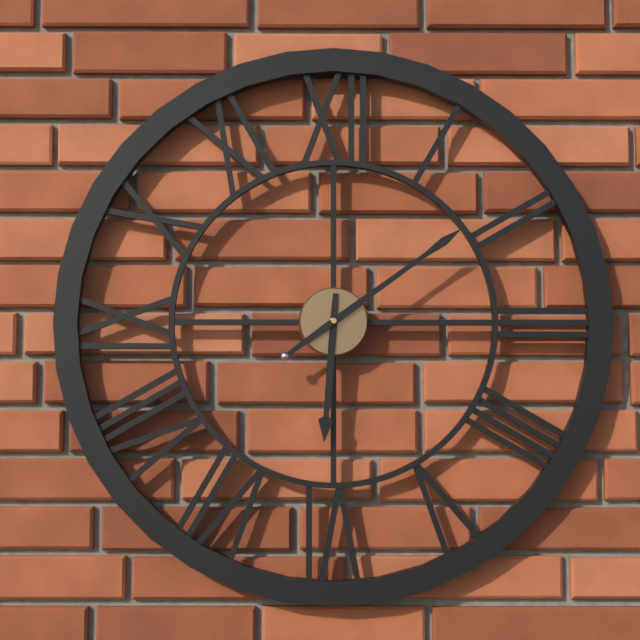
6.09
